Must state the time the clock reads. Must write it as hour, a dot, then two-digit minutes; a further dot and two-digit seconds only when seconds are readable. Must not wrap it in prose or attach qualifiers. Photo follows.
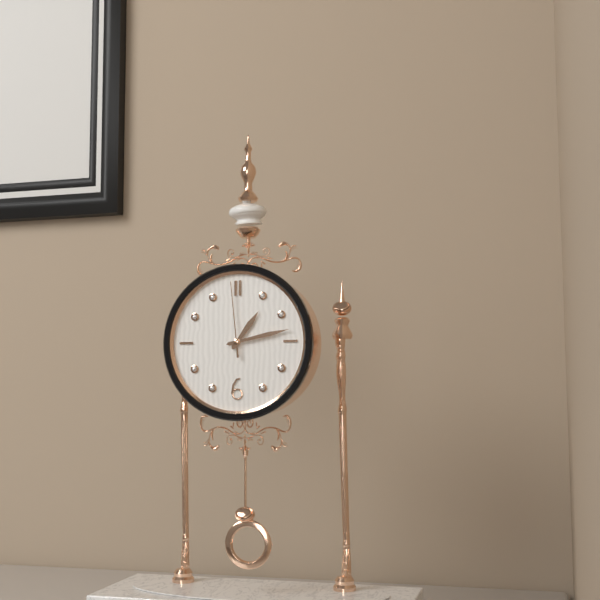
1.13.59
